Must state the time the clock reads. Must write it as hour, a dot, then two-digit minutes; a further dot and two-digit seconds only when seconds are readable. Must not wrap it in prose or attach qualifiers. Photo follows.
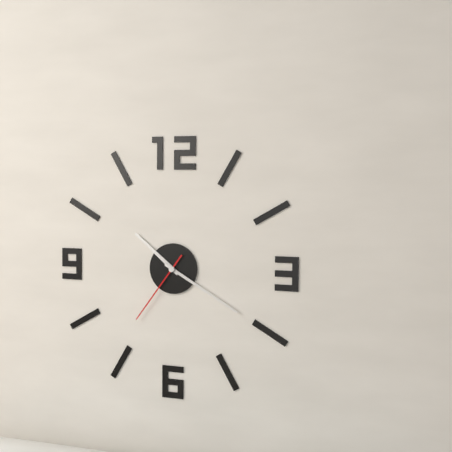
10.20.36
